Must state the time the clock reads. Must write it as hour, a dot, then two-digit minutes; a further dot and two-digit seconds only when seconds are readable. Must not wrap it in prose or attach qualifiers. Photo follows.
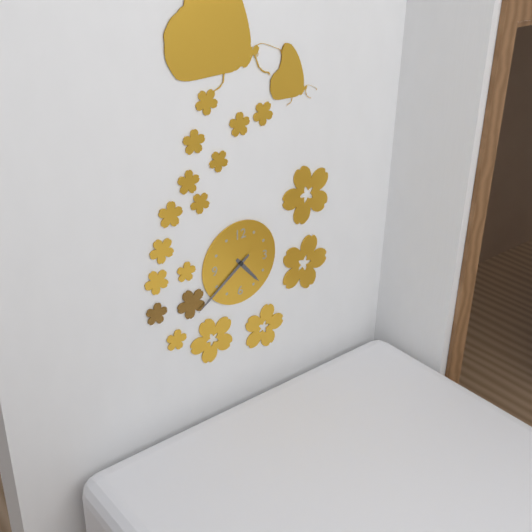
4.39
